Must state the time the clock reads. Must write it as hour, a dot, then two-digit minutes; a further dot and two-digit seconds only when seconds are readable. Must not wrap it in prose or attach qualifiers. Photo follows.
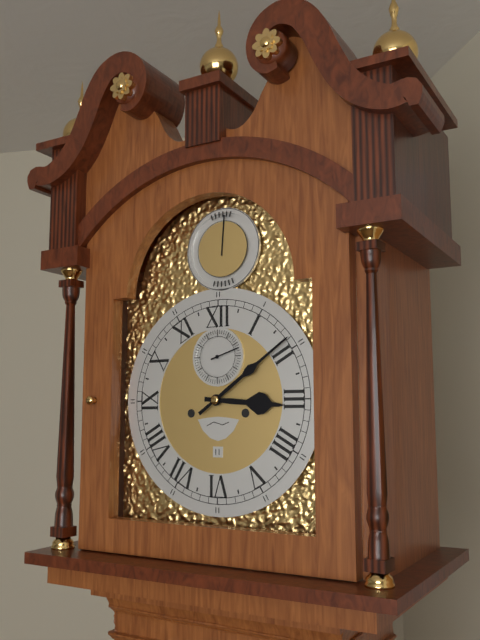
3.09
